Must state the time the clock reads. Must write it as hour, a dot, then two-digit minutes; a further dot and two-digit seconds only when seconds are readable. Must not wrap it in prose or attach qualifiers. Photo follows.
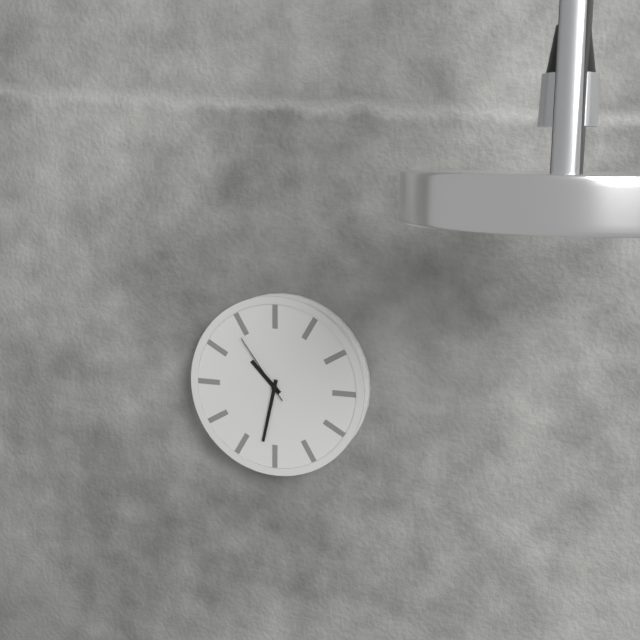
10.32.54
